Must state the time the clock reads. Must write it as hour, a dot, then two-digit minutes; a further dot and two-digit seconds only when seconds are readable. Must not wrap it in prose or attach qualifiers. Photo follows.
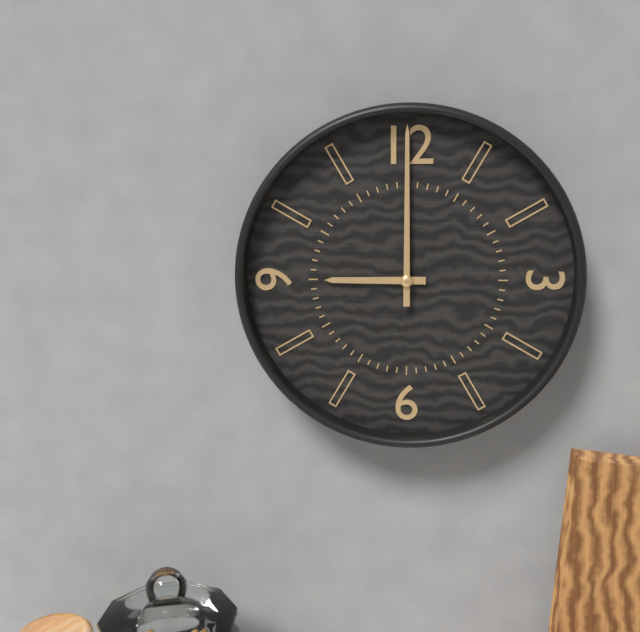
9.00
